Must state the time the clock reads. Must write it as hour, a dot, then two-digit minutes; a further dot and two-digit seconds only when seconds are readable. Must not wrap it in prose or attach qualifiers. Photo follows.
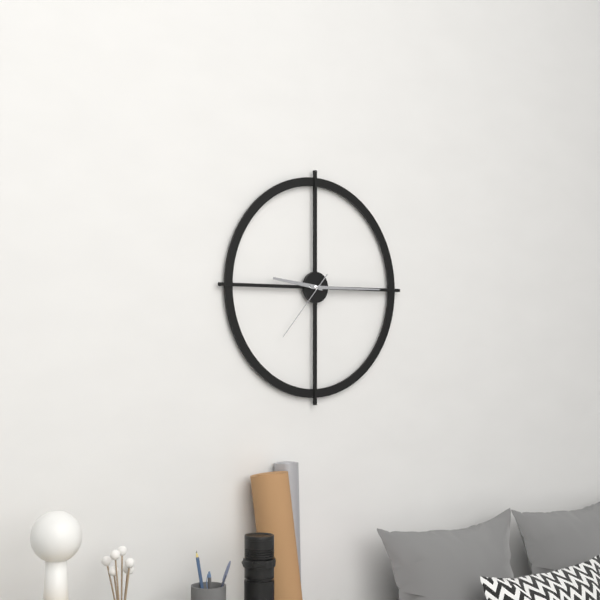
9.15.37
